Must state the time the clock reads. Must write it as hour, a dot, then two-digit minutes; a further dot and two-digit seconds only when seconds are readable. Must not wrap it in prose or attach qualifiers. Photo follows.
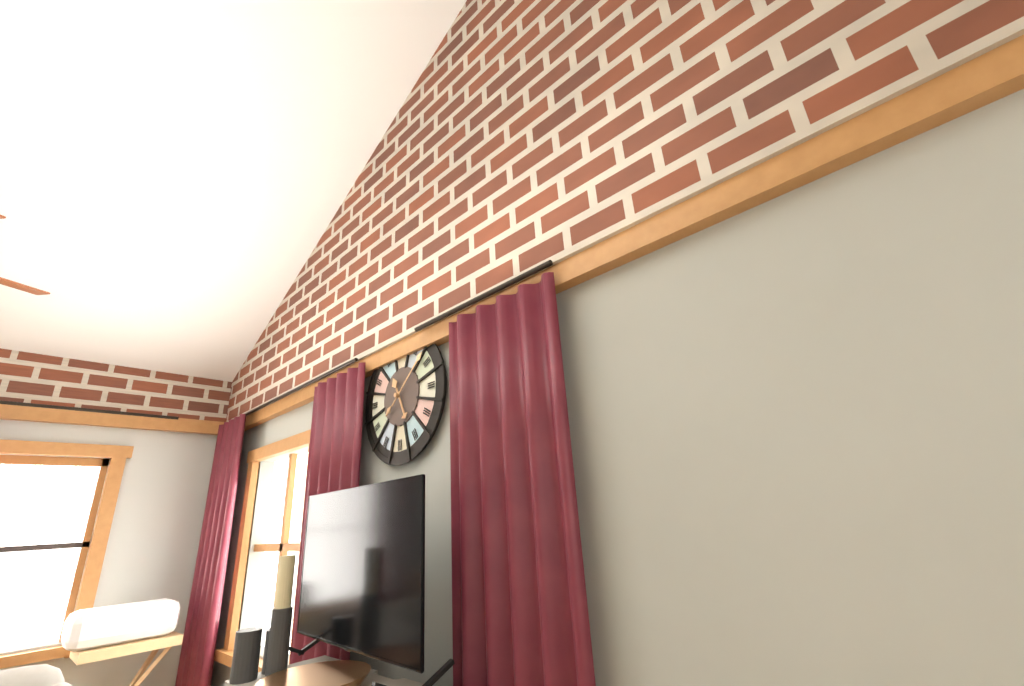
5.08
